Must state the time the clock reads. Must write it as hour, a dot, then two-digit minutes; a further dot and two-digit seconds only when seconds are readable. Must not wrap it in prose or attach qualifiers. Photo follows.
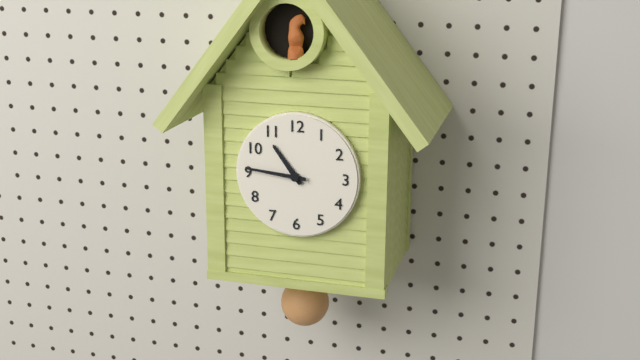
10.46
